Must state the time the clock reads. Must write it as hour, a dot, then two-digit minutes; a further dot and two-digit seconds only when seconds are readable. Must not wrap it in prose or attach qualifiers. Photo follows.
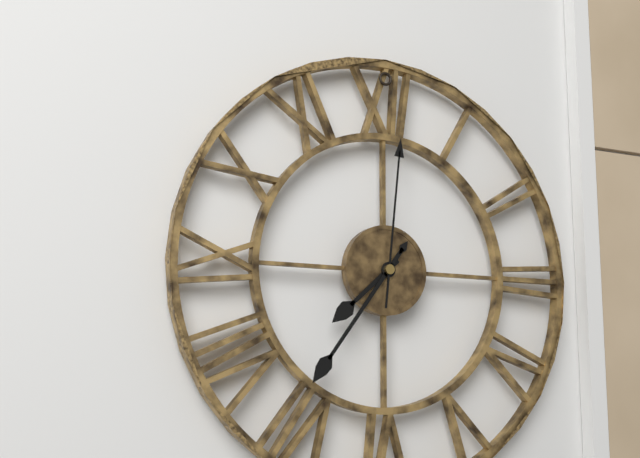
7.36.01
